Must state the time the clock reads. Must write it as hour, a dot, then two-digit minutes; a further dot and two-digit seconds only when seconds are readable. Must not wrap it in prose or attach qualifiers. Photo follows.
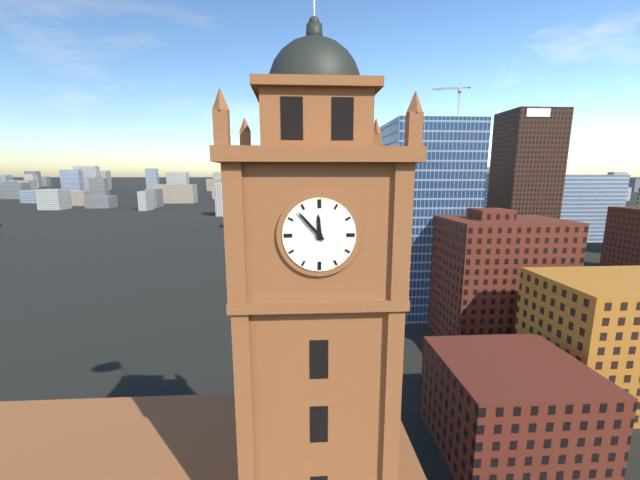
11.53
